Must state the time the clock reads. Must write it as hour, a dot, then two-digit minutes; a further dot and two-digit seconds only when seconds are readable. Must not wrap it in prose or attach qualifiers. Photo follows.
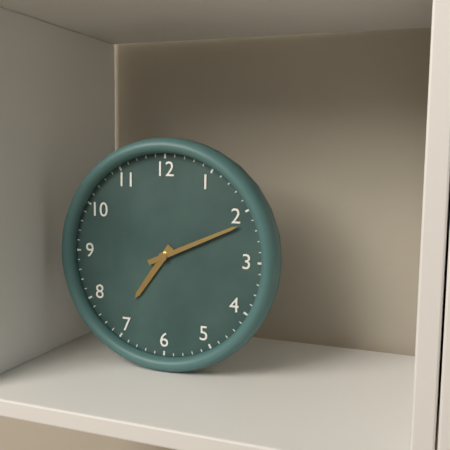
7.11
